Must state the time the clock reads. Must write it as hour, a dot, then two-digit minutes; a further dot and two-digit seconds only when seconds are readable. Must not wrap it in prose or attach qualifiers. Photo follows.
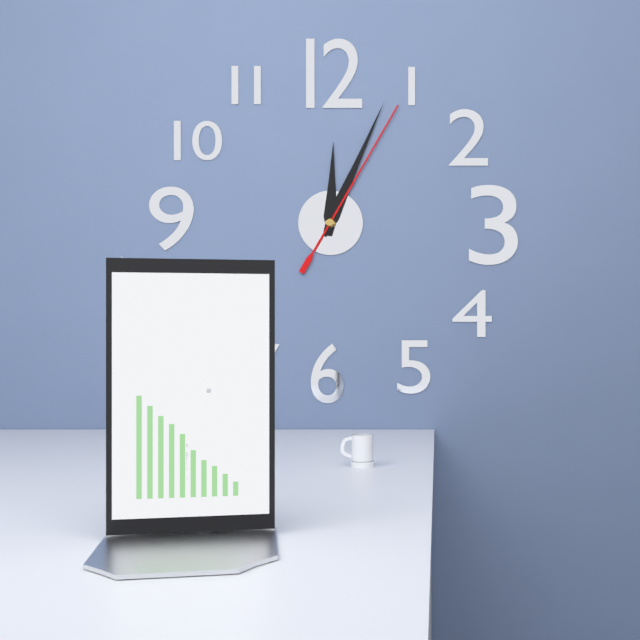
12.04.05
